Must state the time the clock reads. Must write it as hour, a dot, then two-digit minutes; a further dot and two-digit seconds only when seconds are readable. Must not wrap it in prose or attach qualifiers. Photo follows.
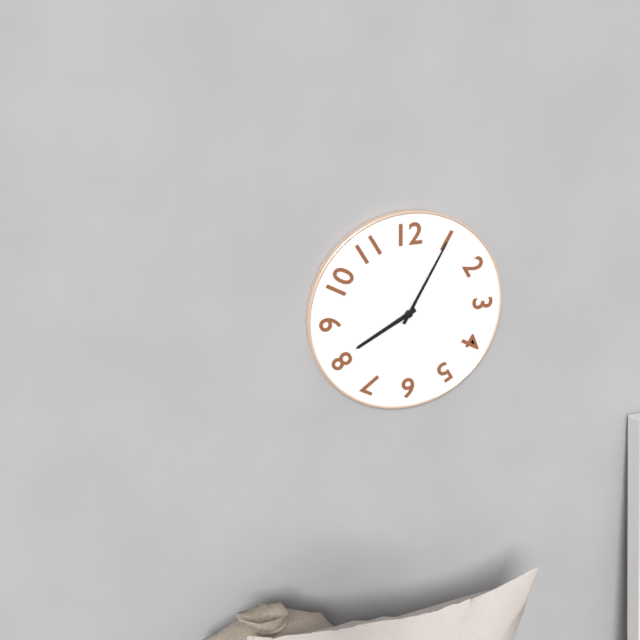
8.05
